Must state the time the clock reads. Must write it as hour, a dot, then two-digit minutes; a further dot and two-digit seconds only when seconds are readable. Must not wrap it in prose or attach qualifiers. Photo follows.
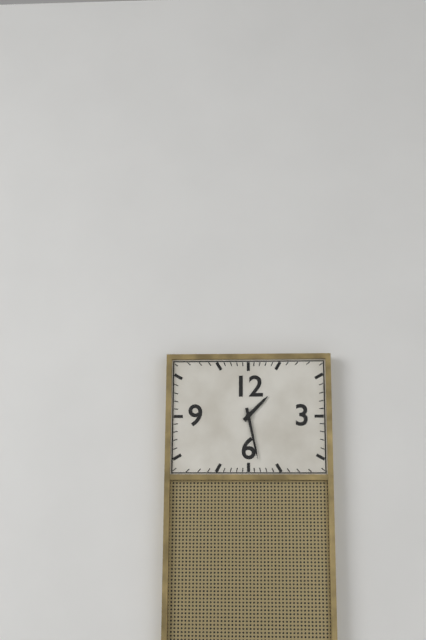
1.28
